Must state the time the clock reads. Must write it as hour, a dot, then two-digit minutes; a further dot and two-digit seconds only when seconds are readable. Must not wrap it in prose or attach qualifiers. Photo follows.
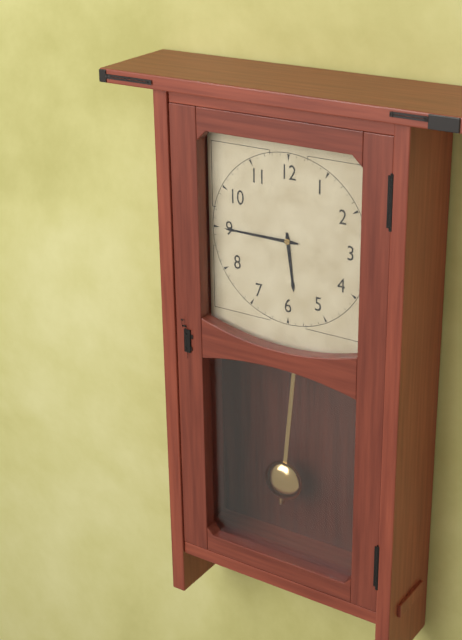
5.45
